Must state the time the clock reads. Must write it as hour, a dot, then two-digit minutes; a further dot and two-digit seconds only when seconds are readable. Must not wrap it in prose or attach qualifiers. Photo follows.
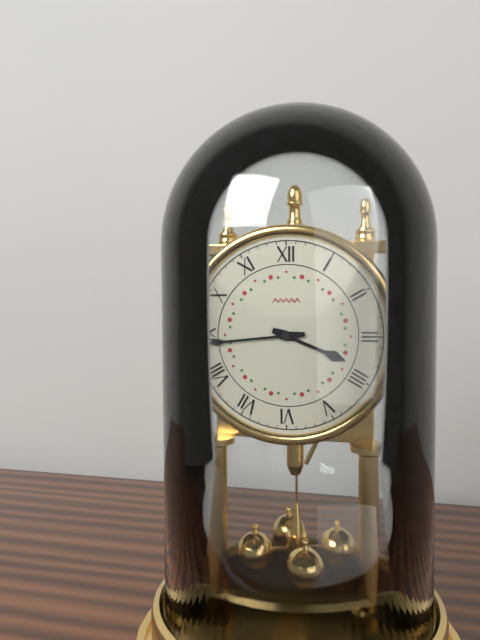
3.44
